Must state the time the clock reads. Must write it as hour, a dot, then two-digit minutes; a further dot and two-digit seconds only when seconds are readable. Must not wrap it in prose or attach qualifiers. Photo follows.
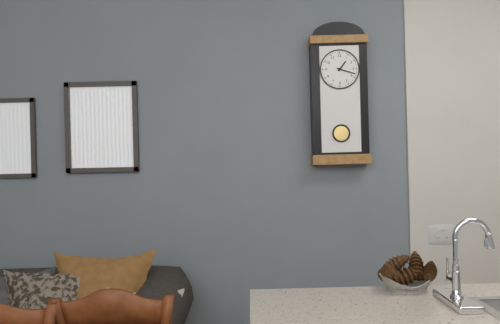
1.18
